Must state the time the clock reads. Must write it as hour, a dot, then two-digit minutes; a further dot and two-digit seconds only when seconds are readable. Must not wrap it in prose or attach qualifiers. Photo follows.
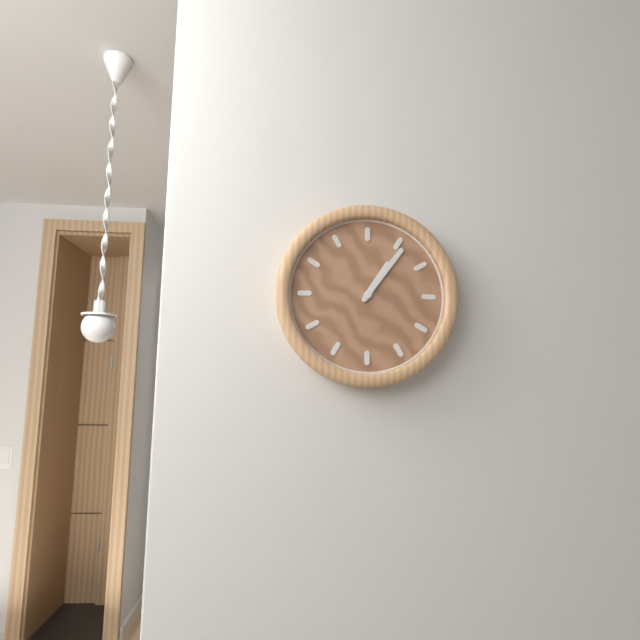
1.06
